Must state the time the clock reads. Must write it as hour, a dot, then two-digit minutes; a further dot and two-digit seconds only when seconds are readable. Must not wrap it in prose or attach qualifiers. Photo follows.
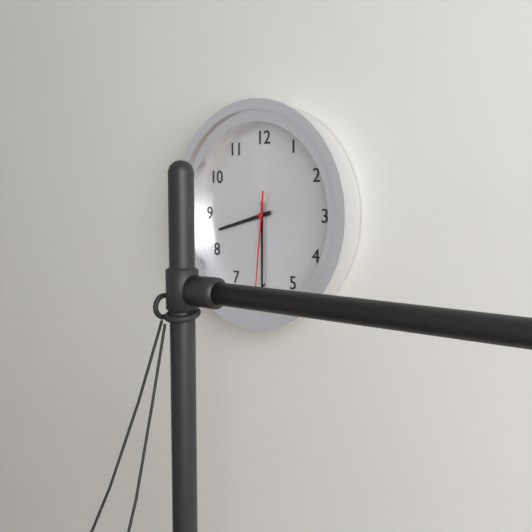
8.30.31
